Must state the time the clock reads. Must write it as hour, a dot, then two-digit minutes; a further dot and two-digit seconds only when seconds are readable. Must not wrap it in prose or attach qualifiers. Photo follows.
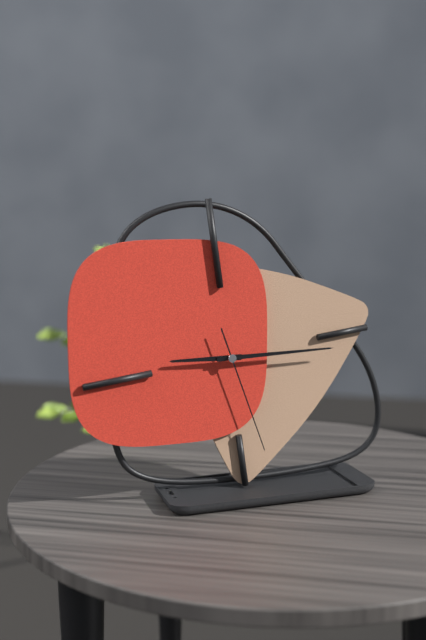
9.16.28
